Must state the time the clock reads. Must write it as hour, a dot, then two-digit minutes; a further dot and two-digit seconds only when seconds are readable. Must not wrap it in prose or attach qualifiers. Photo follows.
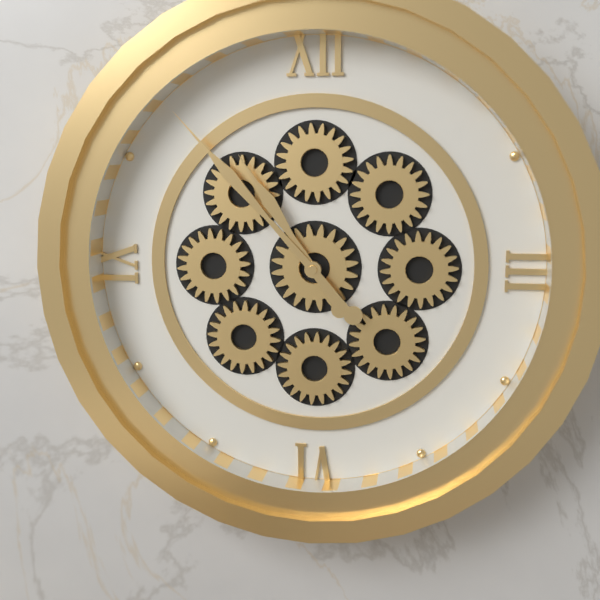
10.53
